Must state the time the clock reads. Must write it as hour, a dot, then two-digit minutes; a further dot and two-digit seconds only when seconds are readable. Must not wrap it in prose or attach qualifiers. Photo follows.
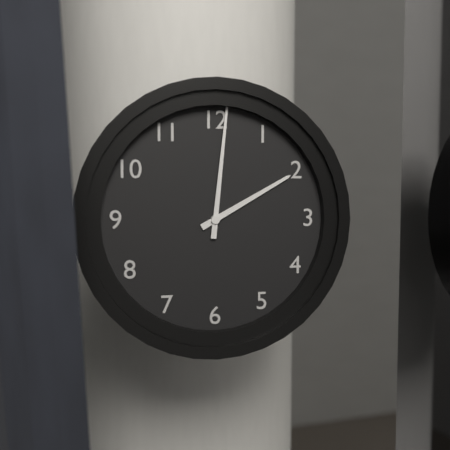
2.01
